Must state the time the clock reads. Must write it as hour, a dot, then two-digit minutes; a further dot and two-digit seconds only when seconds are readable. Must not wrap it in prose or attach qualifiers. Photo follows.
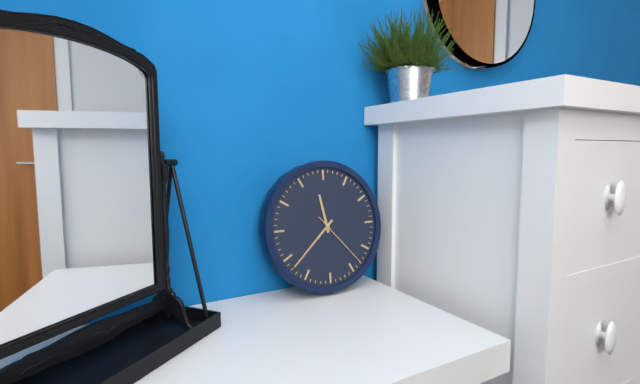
11.38.23
